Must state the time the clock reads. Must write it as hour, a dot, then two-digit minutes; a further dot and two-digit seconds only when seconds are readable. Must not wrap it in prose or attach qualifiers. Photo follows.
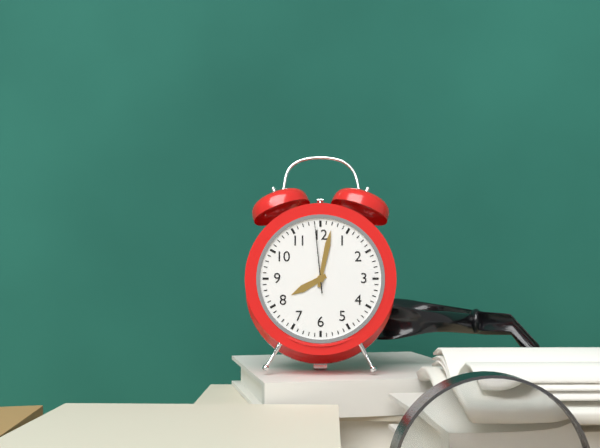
8.02.59
